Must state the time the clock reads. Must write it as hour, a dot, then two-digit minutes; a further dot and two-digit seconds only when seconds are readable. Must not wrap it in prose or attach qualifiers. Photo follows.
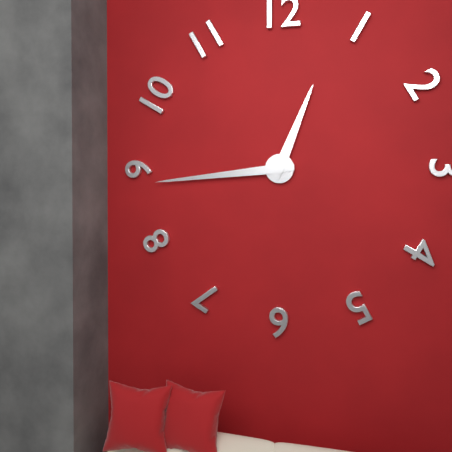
12.44
